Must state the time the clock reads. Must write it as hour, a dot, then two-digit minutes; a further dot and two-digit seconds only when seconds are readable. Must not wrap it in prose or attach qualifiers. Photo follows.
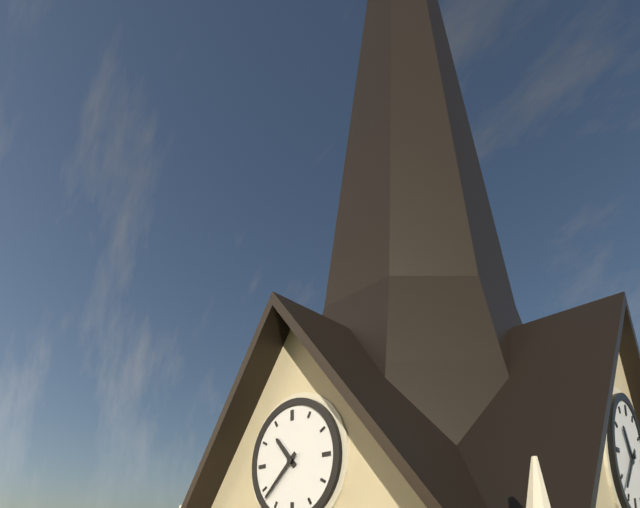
10.38
